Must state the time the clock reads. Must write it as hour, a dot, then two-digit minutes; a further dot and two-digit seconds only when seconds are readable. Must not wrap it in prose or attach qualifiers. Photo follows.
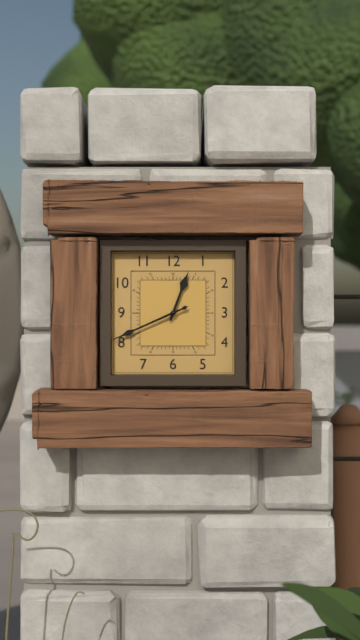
12.41
